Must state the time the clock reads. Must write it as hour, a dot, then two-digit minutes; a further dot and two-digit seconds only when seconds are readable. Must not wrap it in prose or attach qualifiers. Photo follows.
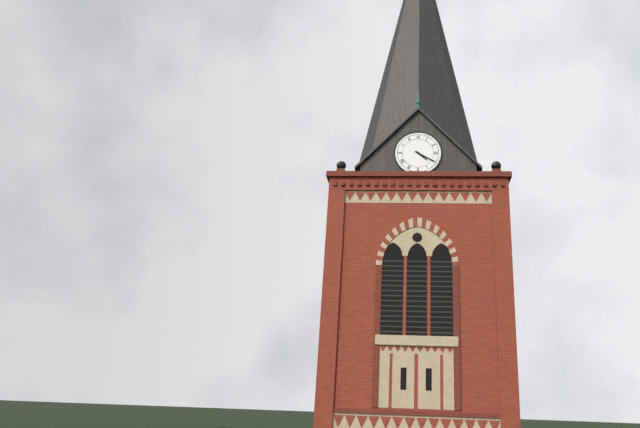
4.20
